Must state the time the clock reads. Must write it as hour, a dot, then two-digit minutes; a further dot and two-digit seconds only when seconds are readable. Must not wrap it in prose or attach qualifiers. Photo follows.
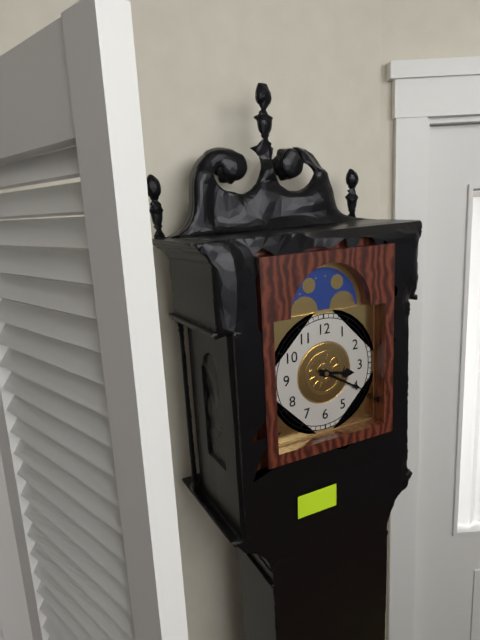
3.20
